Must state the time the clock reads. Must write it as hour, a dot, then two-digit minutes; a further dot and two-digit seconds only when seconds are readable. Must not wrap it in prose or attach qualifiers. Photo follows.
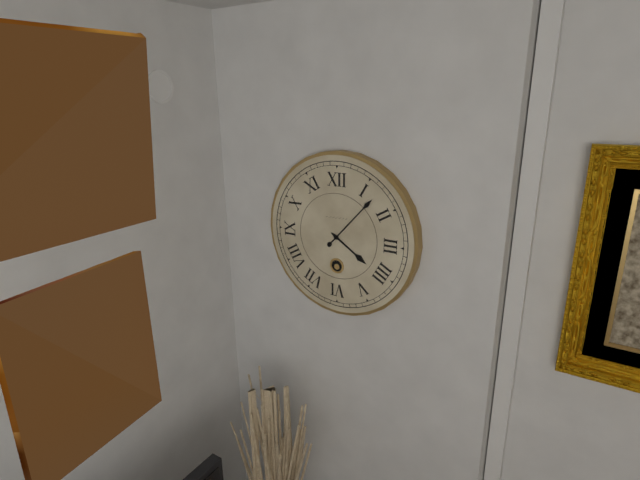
4.07
